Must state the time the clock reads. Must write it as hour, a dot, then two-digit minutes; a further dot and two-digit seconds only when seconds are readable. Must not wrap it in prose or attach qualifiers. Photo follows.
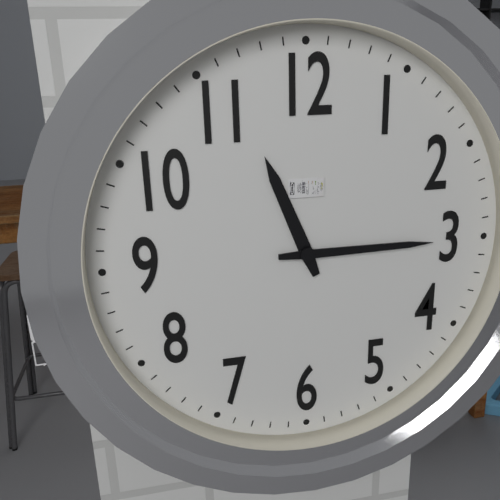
11.15
